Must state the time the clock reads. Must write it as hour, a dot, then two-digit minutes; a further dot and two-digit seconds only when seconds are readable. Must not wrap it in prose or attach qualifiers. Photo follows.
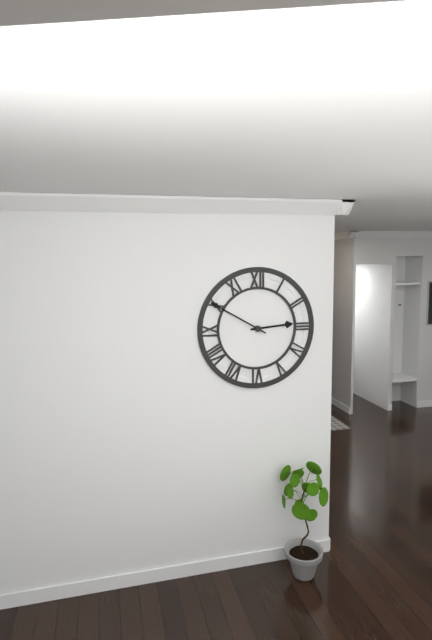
2.50
